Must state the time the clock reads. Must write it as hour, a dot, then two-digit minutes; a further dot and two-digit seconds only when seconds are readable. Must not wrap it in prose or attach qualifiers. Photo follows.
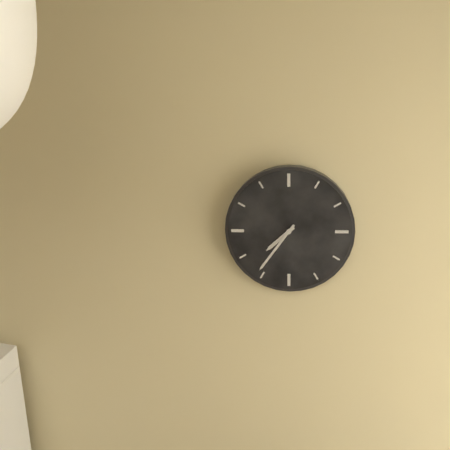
7.36
